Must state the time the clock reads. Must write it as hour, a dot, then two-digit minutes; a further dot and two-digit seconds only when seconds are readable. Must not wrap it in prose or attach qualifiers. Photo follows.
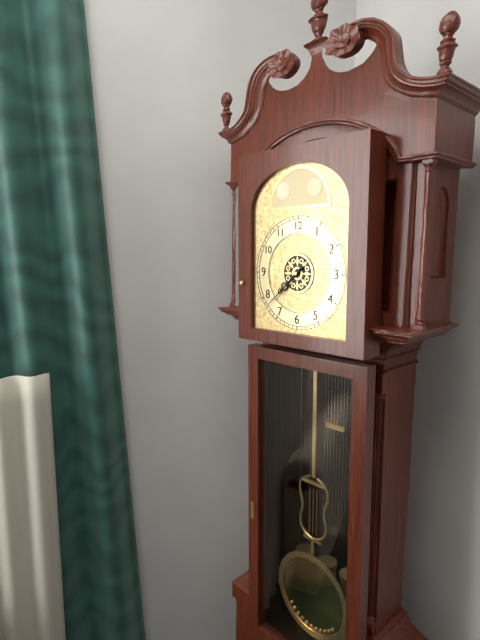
7.38
